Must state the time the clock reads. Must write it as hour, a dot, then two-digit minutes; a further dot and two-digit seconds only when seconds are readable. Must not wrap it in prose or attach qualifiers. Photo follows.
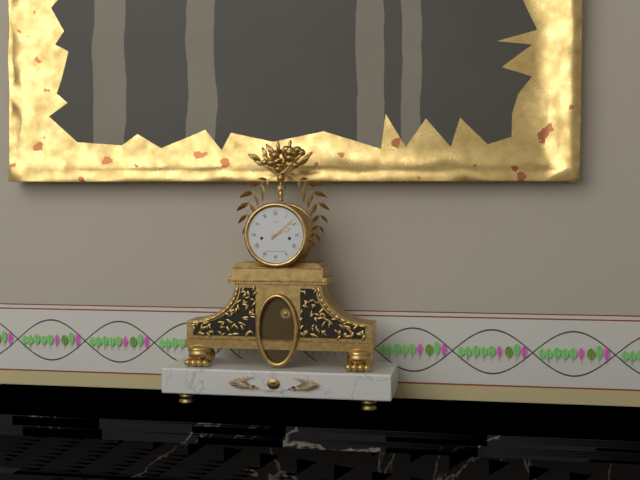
2.08
